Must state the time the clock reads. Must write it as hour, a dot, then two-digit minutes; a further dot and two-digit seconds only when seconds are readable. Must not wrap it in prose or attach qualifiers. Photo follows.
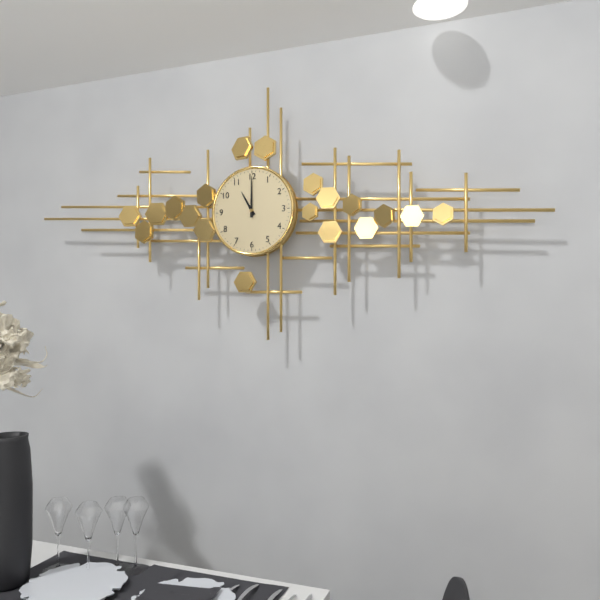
11.00
